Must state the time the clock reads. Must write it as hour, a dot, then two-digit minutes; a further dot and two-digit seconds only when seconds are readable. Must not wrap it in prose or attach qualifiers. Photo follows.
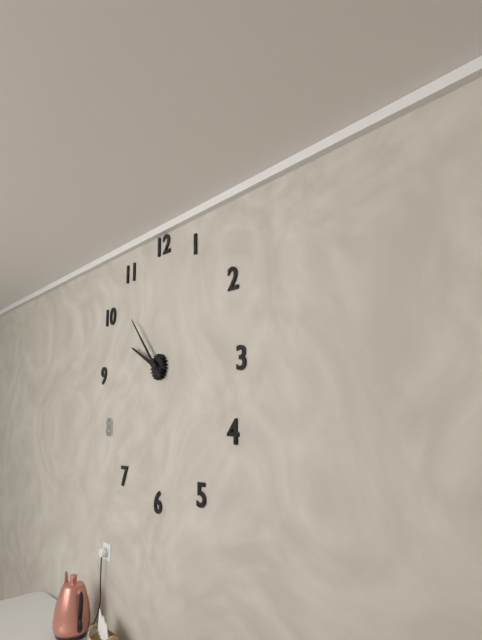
9.53
